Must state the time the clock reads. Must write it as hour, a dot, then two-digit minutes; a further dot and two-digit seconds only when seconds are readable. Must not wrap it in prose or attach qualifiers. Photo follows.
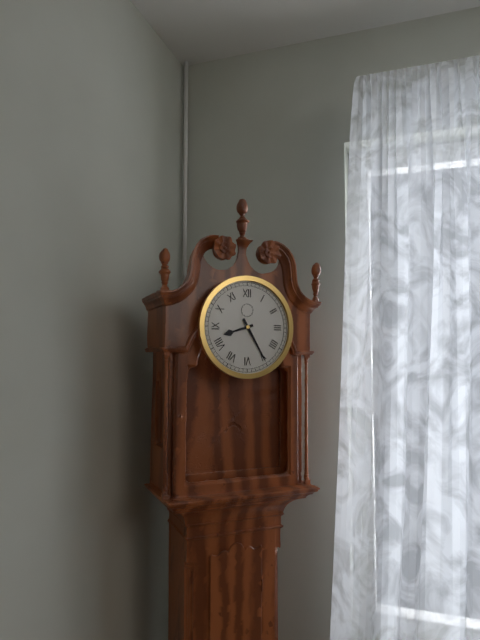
8.25
